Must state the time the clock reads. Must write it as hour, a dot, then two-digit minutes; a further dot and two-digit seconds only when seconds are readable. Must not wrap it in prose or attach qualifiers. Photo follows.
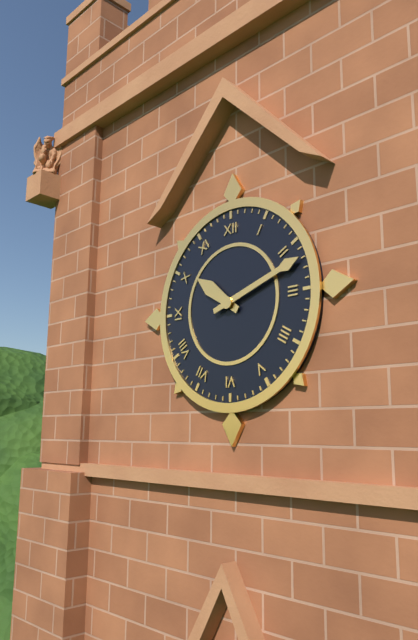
10.12
